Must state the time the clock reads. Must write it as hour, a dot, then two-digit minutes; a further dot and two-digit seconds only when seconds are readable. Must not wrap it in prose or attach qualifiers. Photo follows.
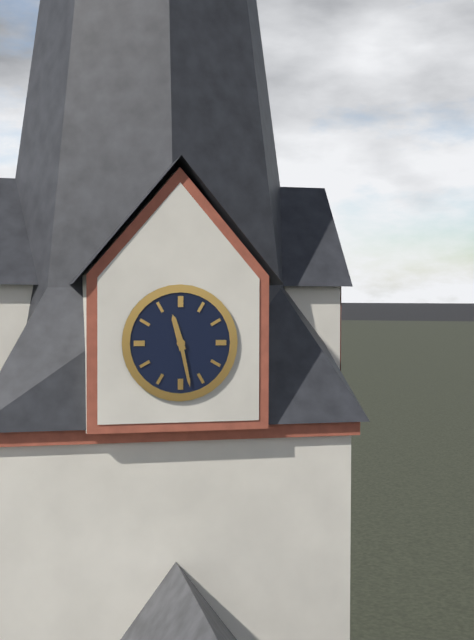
11.28
